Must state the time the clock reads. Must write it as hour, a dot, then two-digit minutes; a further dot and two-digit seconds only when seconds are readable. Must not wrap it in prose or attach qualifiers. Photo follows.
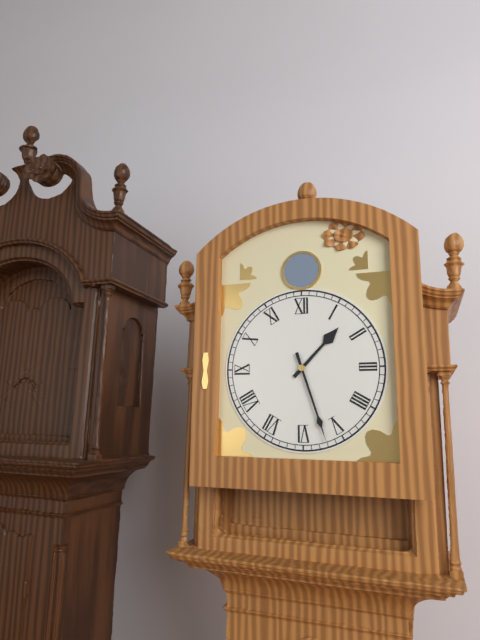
1.27
